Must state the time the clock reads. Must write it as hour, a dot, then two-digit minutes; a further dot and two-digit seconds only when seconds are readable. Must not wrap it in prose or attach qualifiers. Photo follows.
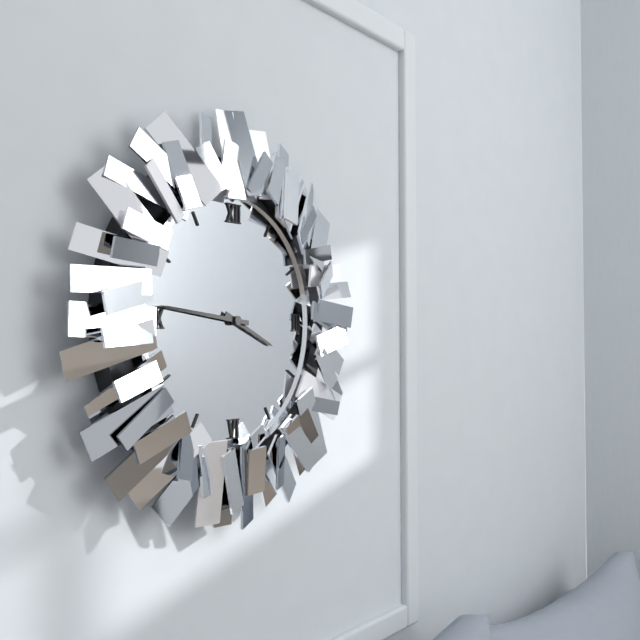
3.46
